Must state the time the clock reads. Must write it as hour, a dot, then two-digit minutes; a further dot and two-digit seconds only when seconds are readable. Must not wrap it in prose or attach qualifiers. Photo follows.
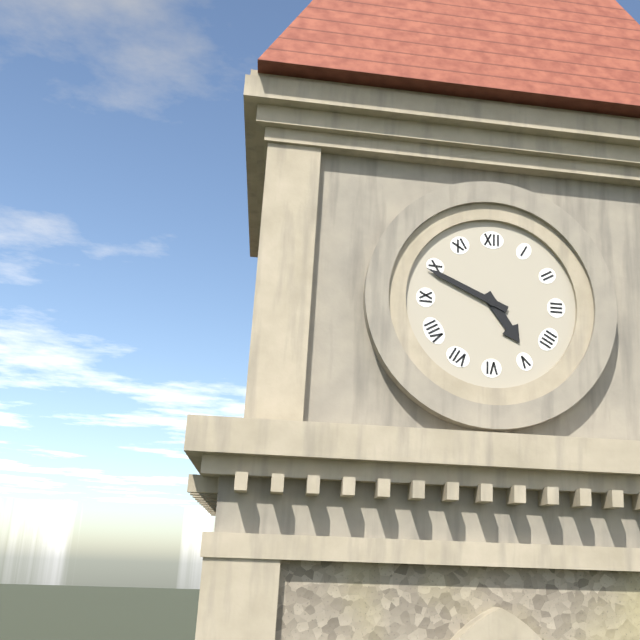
4.49
